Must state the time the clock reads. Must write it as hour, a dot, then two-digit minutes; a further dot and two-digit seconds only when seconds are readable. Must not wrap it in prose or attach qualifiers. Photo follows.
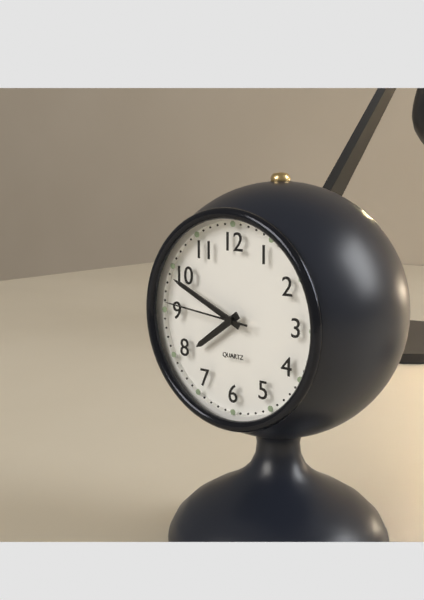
7.49.46
